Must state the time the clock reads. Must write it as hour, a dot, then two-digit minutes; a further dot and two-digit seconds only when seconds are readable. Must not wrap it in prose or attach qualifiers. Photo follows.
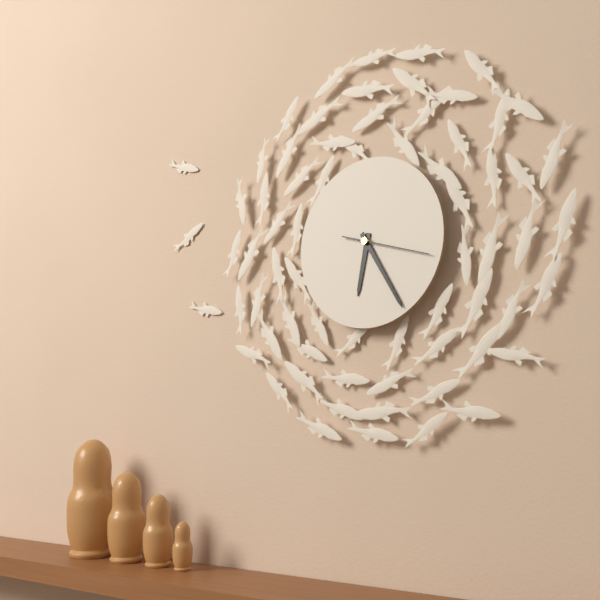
6.25.18
